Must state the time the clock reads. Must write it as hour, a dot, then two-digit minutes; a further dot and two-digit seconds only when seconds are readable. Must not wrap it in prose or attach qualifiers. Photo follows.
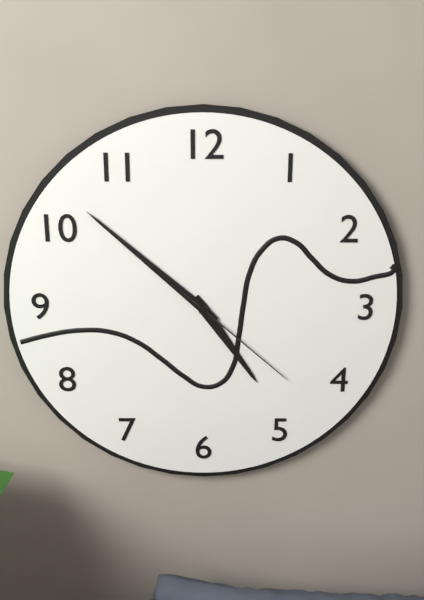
4.52.22
